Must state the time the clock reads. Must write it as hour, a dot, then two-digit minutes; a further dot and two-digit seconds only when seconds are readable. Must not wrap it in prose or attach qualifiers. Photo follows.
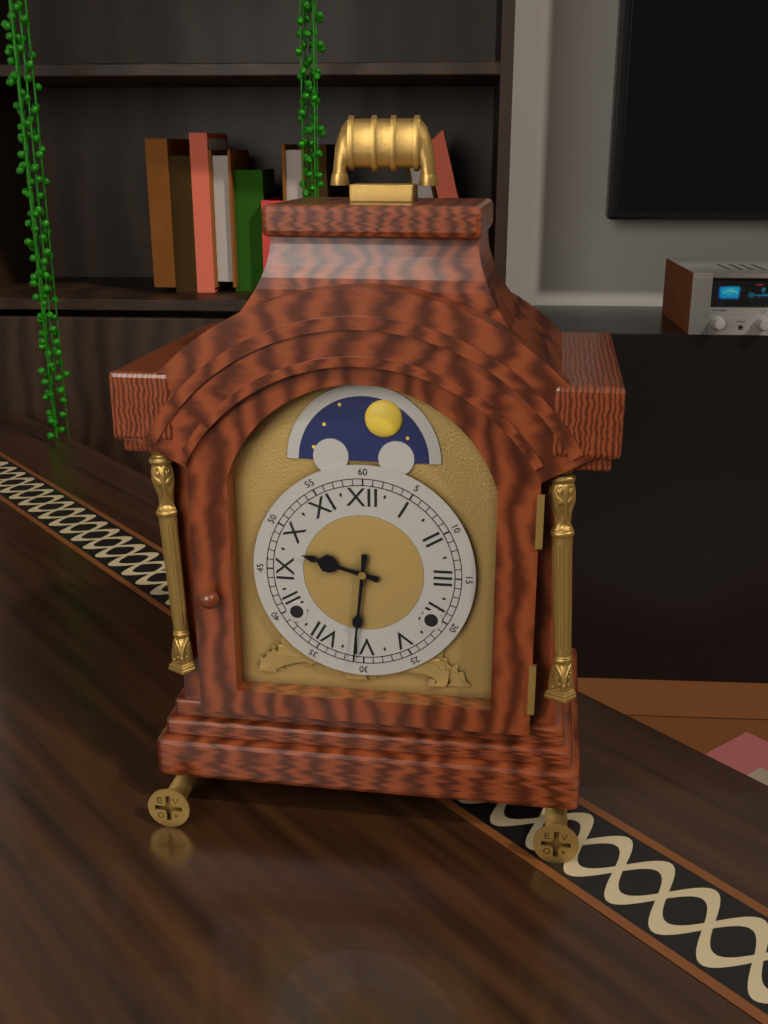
9.31
